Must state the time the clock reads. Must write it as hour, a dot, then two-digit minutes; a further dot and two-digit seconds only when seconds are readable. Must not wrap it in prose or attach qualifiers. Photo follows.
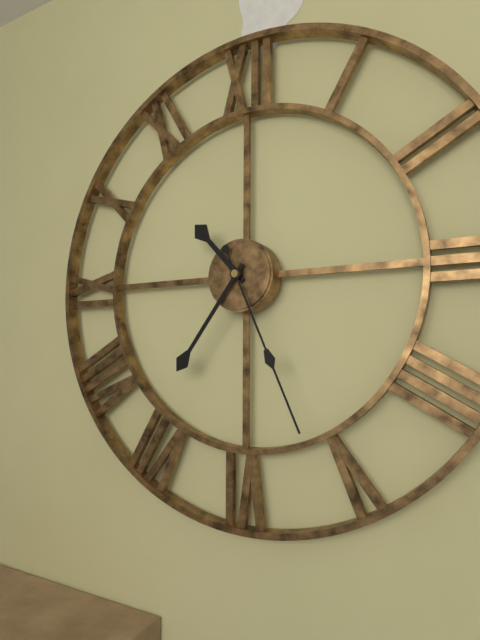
10.36.26
